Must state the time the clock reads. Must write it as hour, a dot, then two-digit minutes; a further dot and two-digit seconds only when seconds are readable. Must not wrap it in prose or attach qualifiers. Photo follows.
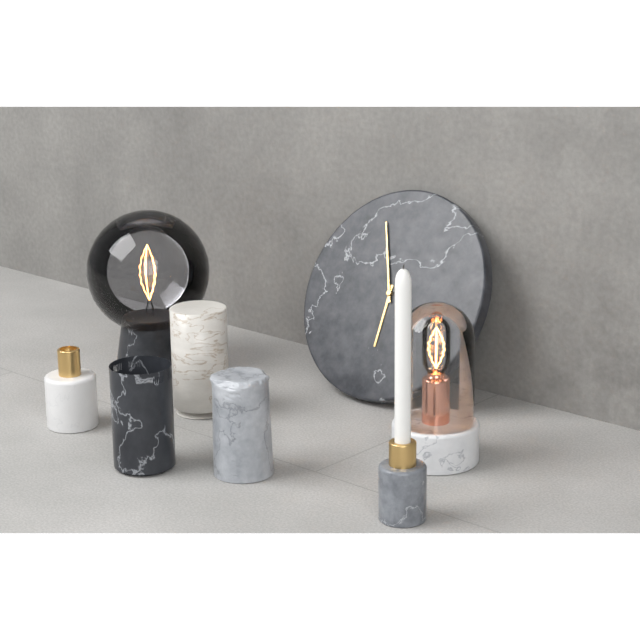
5.56
